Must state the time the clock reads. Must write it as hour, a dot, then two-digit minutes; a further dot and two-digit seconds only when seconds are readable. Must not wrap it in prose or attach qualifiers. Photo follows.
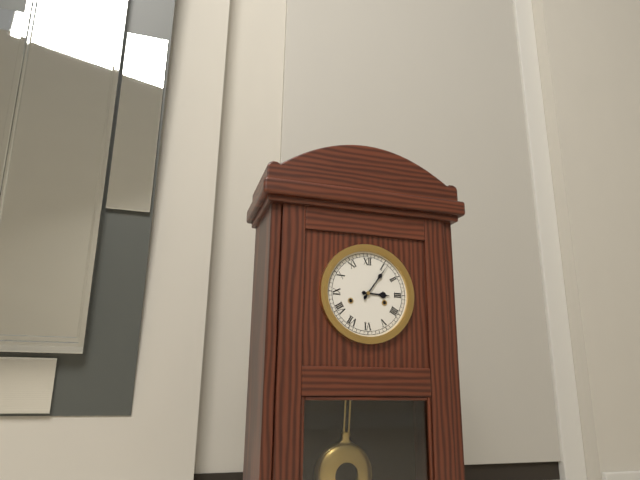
3.06
